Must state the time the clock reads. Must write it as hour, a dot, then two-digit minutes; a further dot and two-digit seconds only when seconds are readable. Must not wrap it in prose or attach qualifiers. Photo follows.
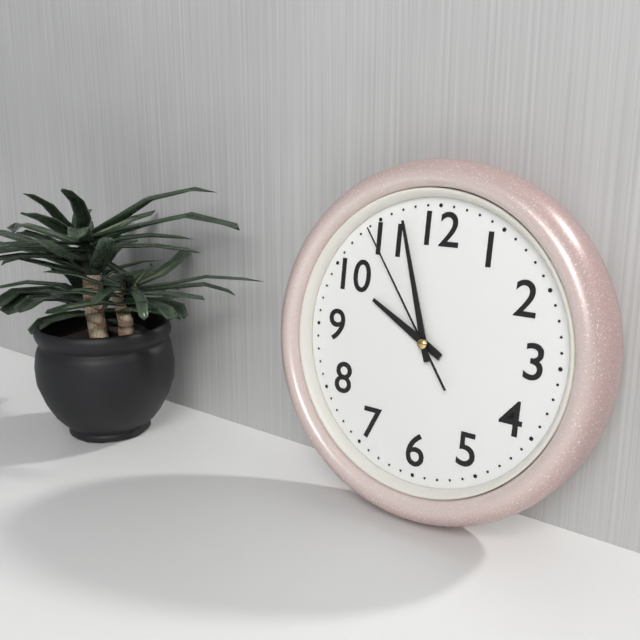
9.57.54
